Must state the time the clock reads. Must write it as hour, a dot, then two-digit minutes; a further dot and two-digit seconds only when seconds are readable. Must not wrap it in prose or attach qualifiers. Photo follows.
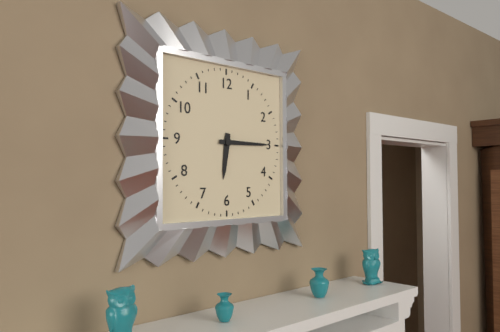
6.15
